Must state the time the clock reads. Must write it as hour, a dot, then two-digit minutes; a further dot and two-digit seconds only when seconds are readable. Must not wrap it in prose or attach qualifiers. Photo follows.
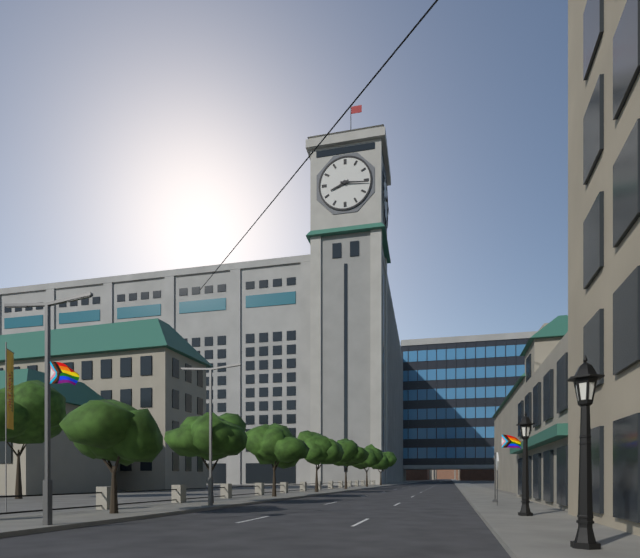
8.16
